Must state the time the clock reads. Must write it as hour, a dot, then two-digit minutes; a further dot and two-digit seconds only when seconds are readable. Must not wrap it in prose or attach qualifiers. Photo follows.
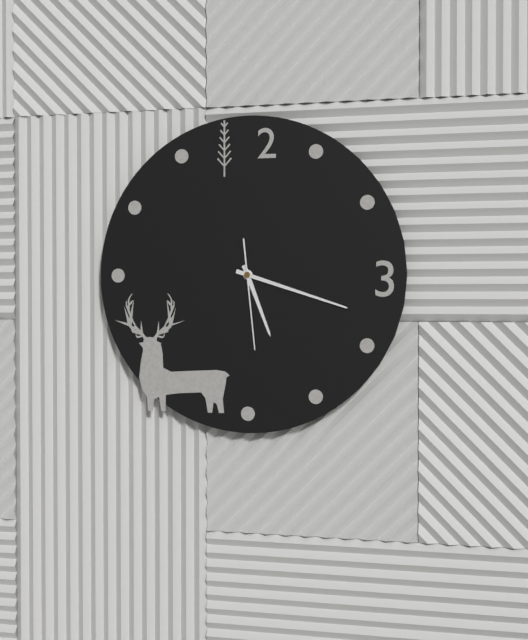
5.18.29
